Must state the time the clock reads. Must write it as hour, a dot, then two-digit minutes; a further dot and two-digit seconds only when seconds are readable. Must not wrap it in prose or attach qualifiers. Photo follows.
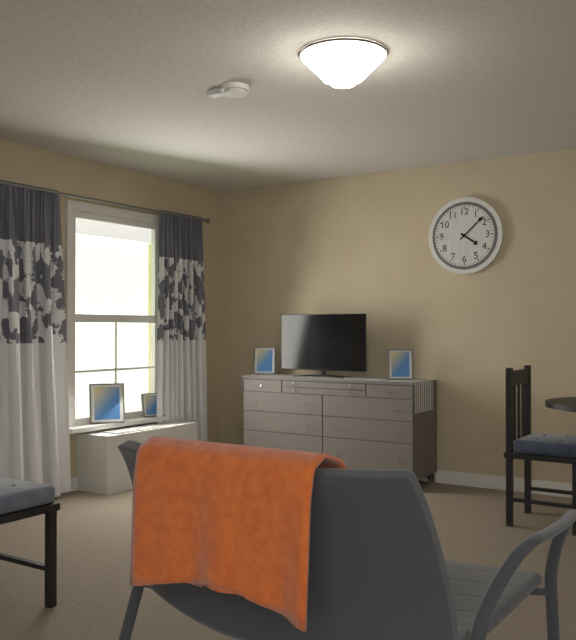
4.08
